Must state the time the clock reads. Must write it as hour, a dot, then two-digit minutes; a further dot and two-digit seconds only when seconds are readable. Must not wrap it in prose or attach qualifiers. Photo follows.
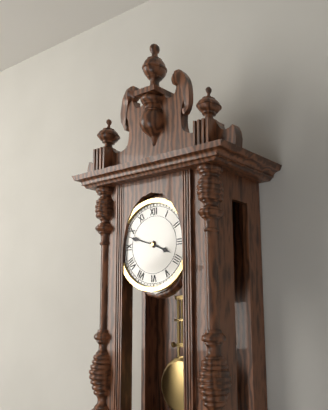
3.48
